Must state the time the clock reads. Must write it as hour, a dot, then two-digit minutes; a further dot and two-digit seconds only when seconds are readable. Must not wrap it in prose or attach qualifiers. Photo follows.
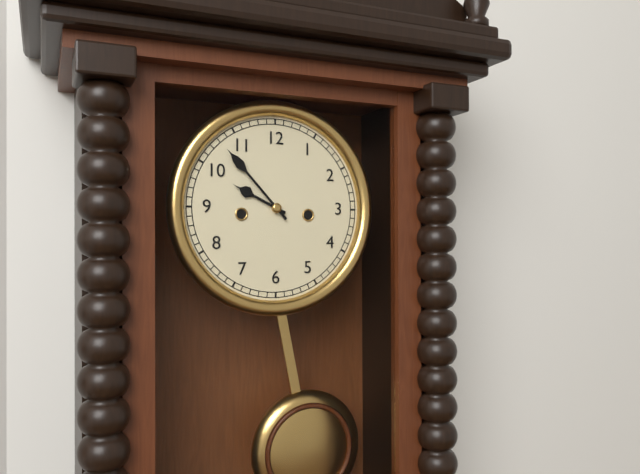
9.53
